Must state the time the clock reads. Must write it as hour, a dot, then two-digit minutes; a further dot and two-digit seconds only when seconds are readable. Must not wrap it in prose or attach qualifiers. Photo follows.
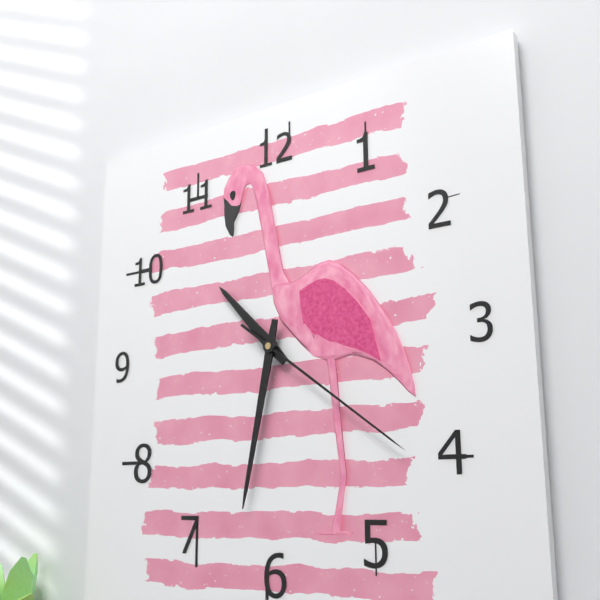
10.32.21
